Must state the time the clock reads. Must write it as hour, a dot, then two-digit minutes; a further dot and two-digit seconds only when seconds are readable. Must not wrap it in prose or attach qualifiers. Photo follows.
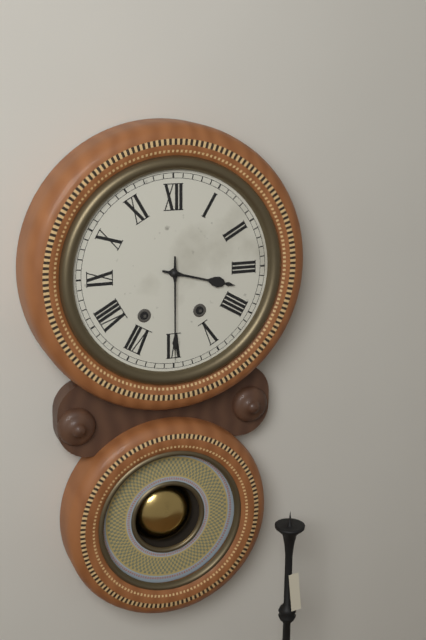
3.30
